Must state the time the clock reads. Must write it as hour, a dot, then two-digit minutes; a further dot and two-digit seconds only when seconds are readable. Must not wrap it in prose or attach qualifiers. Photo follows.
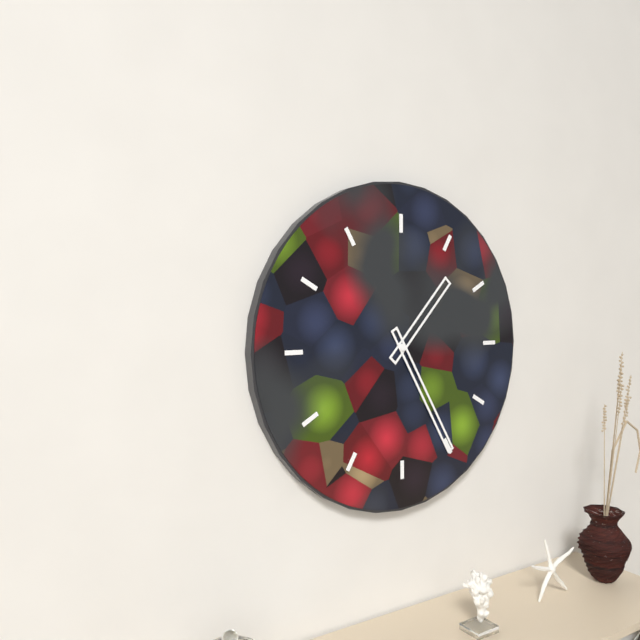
1.25
